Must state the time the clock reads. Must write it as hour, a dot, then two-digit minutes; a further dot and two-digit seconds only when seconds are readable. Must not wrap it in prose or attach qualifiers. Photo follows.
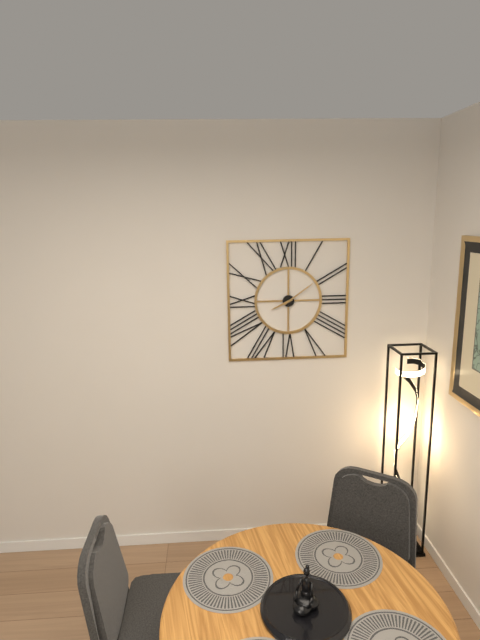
8.09
